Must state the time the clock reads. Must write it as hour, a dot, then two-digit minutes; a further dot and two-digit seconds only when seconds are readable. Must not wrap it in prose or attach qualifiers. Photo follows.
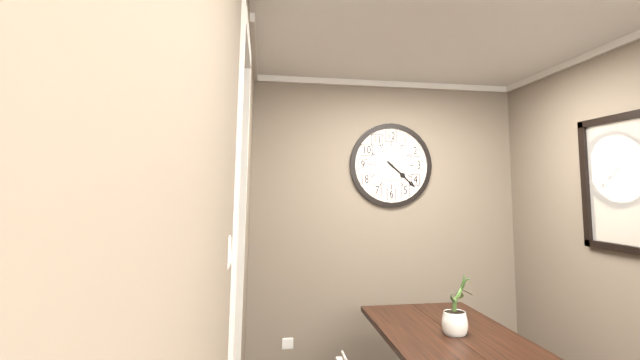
4.22
